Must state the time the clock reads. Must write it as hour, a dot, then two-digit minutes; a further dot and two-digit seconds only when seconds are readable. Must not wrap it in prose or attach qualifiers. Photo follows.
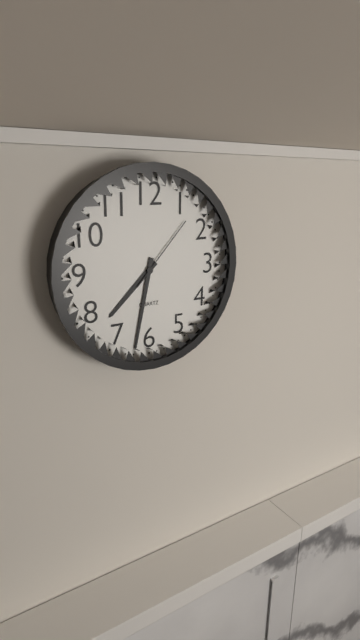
7.32.07
